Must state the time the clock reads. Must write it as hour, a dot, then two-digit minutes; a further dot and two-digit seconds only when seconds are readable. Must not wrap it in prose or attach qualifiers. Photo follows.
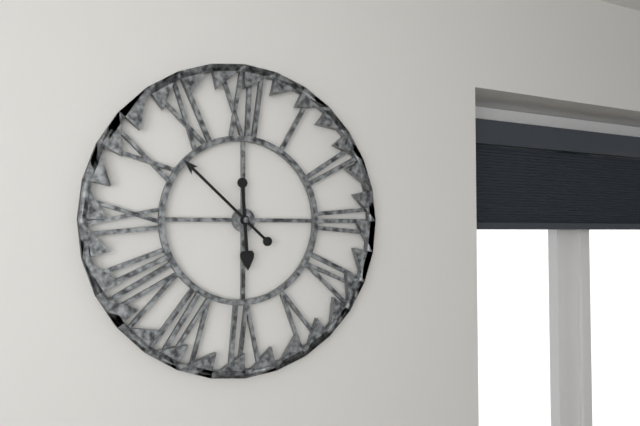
5.52
